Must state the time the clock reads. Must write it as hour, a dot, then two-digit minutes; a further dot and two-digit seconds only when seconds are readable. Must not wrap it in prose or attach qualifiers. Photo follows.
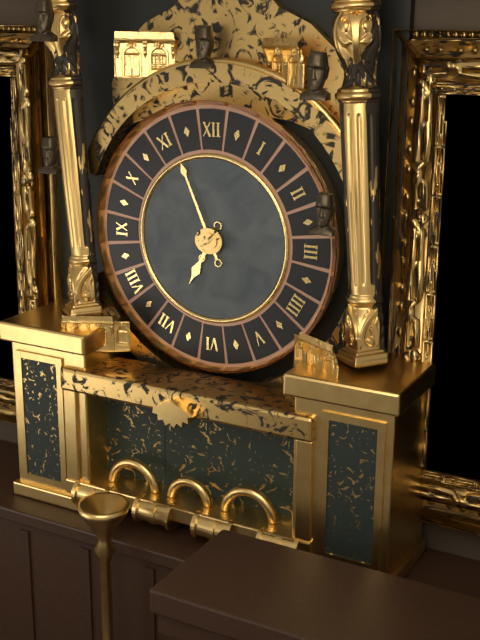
6.56
